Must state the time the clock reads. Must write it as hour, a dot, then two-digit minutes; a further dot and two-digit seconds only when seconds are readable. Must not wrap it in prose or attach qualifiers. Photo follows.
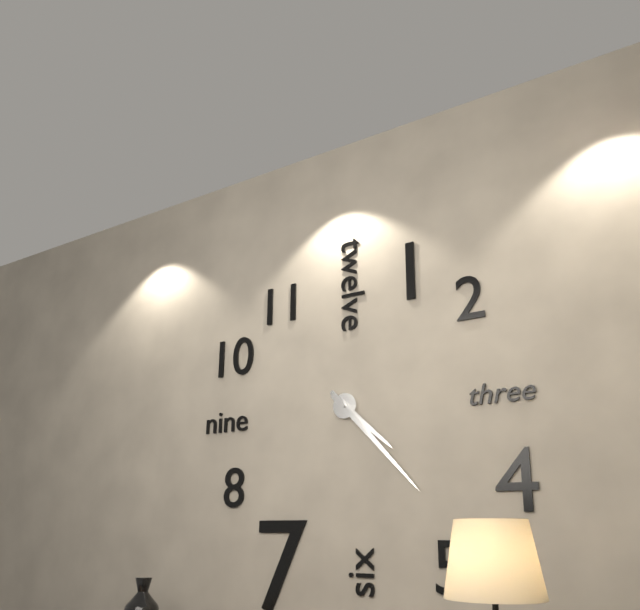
4.23
